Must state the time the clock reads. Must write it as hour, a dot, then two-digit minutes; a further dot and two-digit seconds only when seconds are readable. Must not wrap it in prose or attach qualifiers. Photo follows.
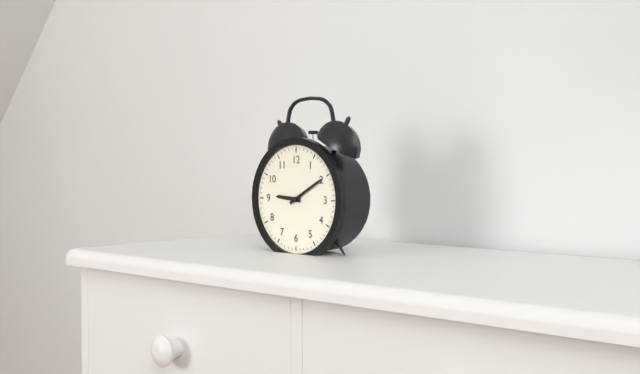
9.10
